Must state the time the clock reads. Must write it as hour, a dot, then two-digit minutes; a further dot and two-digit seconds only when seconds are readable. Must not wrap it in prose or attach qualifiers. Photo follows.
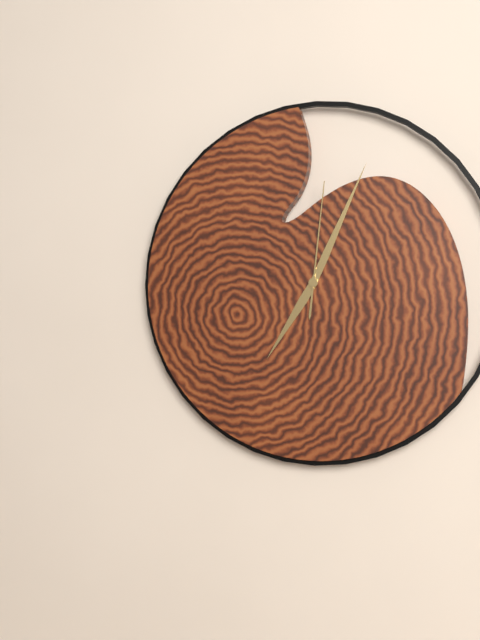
7.04.01
